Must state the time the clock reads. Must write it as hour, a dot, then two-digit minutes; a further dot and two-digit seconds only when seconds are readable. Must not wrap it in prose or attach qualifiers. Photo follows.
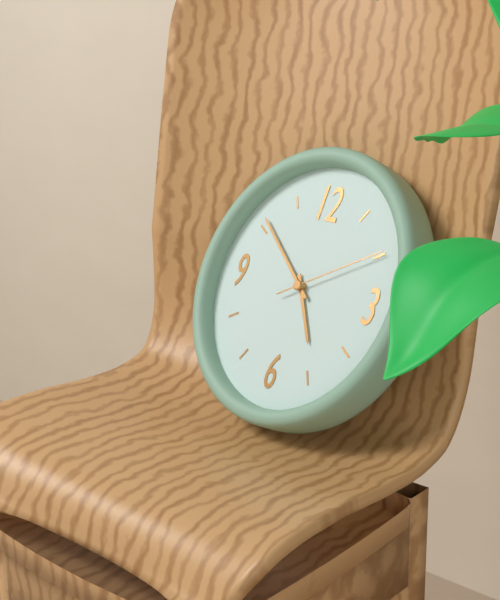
4.51.10
